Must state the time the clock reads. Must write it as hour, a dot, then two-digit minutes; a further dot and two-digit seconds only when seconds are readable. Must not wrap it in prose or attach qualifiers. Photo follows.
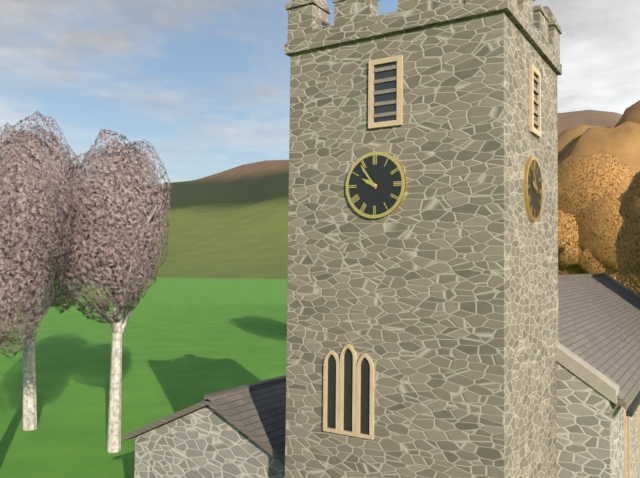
9.54
